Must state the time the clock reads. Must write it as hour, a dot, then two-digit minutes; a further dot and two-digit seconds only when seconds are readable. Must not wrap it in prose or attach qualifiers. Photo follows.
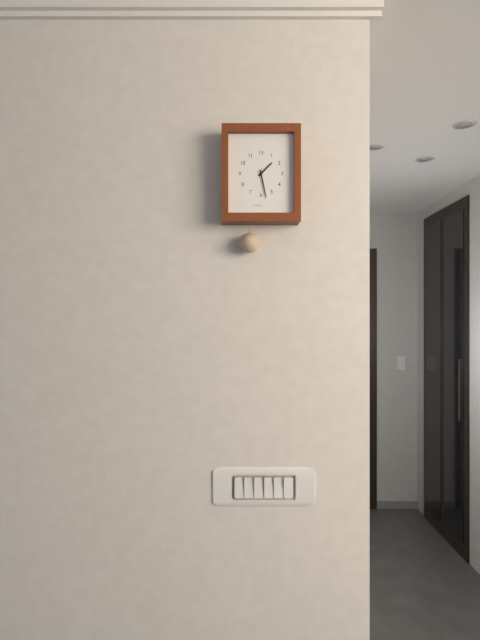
1.28
